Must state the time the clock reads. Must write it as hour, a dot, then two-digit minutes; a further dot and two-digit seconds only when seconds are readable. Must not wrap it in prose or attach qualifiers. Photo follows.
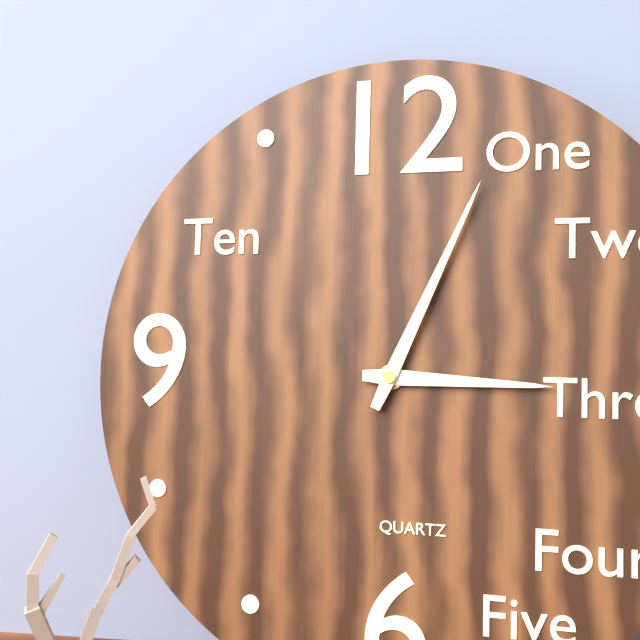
3.04
